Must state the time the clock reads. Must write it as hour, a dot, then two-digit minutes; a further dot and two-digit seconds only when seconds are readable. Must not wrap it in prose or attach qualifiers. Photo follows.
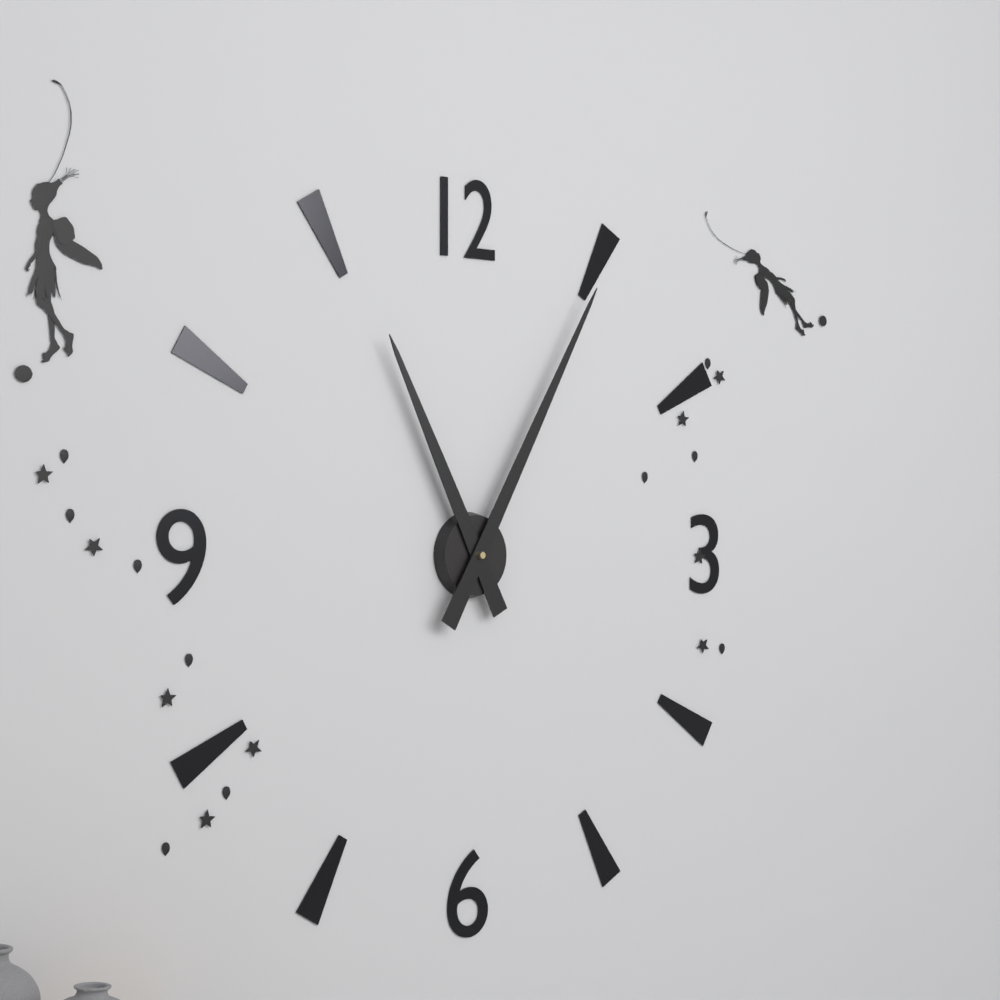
11.05
